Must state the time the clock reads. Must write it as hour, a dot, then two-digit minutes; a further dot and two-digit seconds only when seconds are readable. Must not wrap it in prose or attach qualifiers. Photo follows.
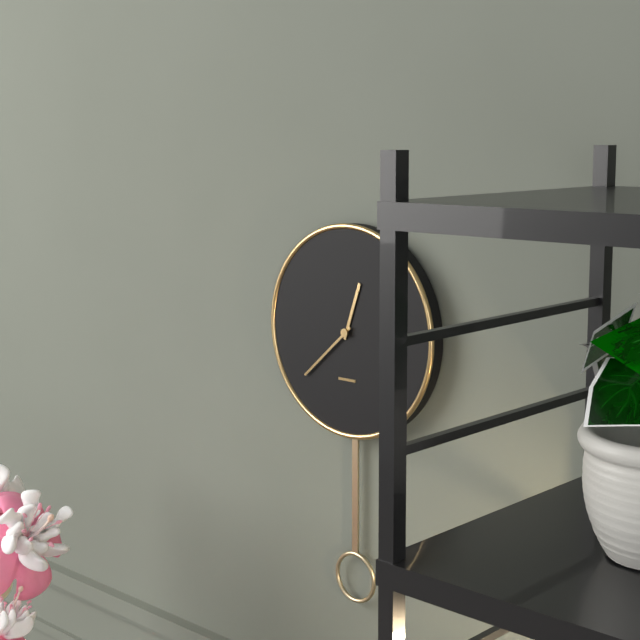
12.38
